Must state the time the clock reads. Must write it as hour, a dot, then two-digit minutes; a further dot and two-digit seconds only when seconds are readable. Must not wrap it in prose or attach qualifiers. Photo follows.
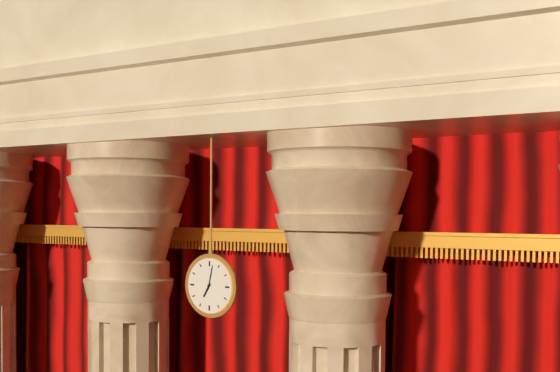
7.02
